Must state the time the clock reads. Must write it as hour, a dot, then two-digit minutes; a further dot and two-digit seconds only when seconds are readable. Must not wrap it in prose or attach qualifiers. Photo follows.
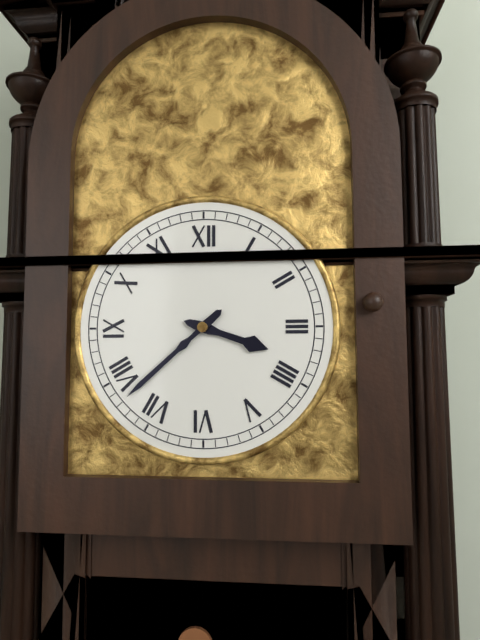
3.38
